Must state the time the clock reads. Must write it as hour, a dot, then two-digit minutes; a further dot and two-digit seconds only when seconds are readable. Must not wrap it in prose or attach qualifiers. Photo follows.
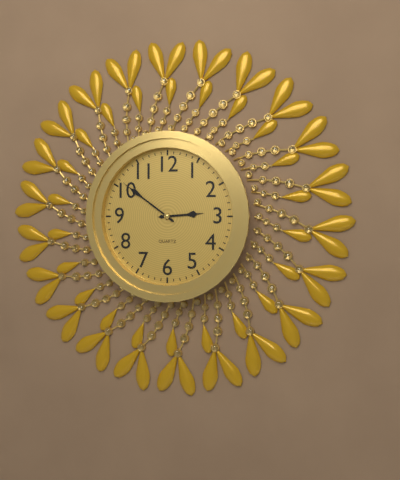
2.51
